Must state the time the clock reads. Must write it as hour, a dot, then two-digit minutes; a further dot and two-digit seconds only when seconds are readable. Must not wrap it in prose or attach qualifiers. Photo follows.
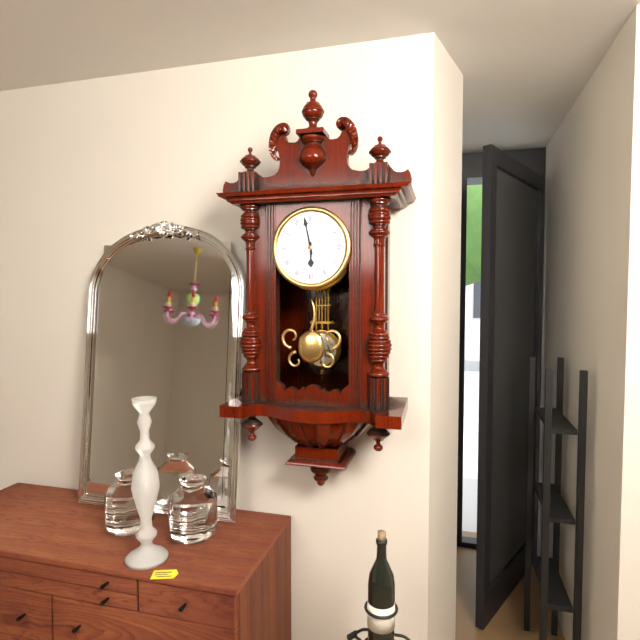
5.58
